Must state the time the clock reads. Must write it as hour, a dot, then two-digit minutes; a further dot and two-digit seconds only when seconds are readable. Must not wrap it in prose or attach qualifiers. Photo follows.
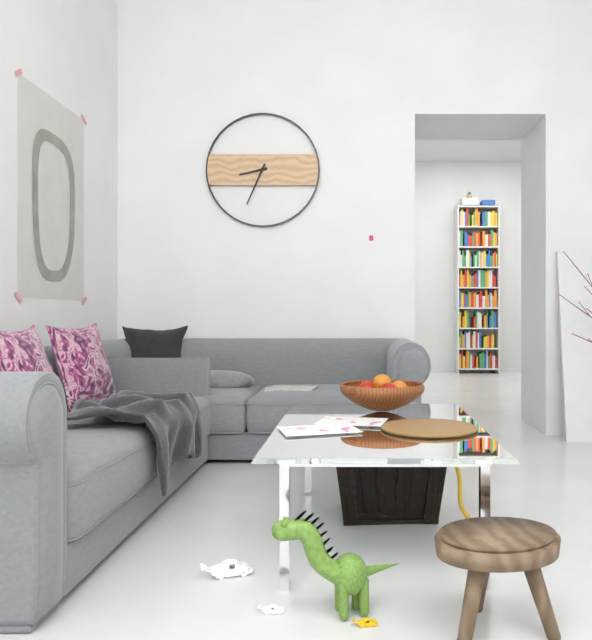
8.34
